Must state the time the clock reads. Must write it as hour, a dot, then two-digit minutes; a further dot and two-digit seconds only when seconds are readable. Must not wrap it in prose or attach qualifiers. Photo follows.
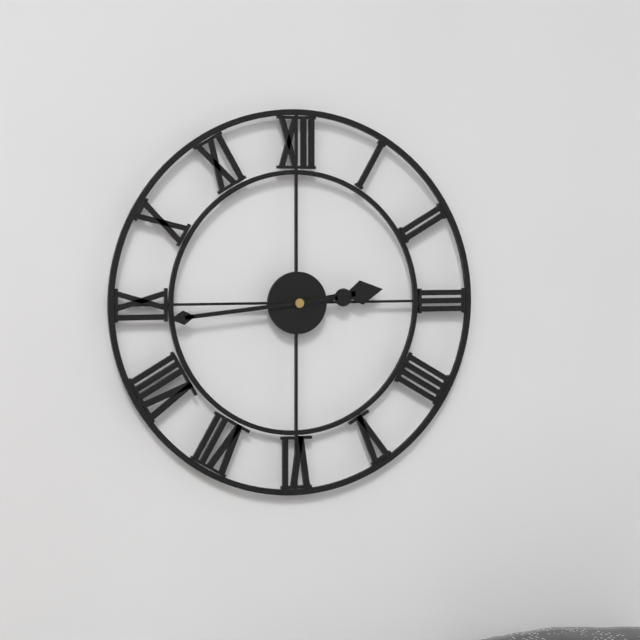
2.44
